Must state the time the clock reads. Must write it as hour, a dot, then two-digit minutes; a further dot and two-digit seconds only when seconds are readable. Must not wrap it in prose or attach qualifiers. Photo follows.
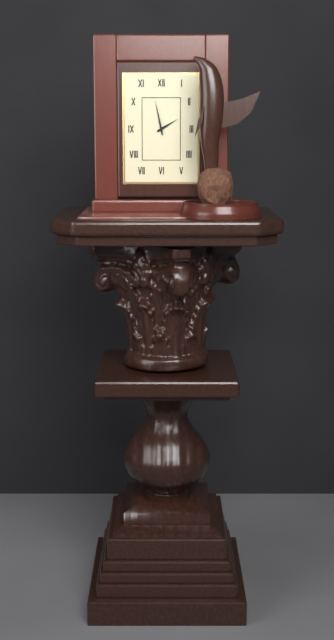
1.58
